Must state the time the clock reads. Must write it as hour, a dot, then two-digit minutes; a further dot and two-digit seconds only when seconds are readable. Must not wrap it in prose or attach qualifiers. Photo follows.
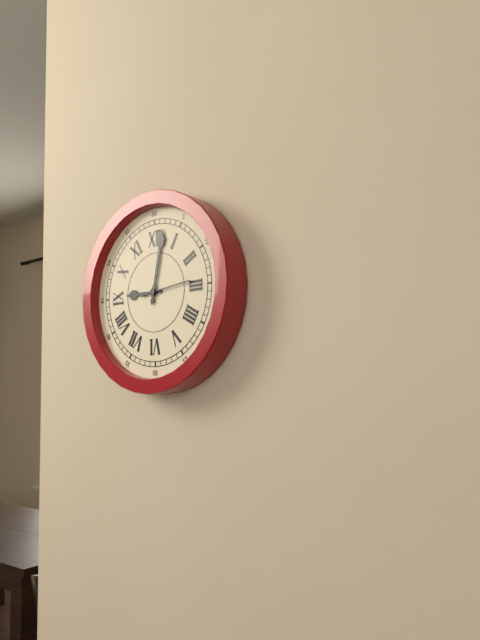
9.02
